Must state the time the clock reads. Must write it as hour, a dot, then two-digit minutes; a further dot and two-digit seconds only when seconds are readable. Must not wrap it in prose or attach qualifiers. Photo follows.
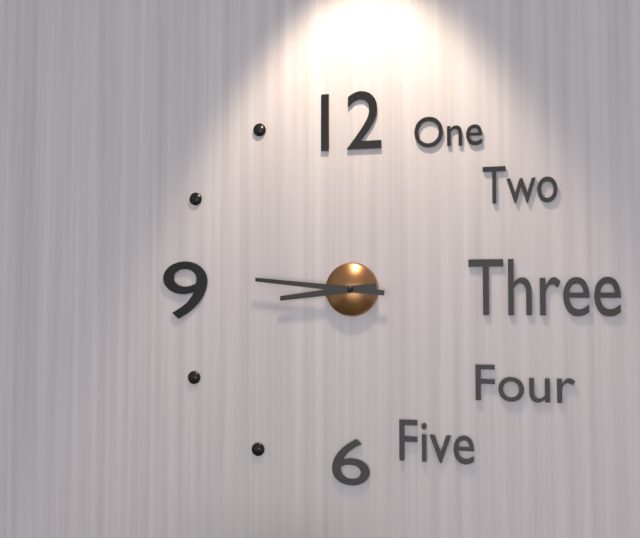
8.46
